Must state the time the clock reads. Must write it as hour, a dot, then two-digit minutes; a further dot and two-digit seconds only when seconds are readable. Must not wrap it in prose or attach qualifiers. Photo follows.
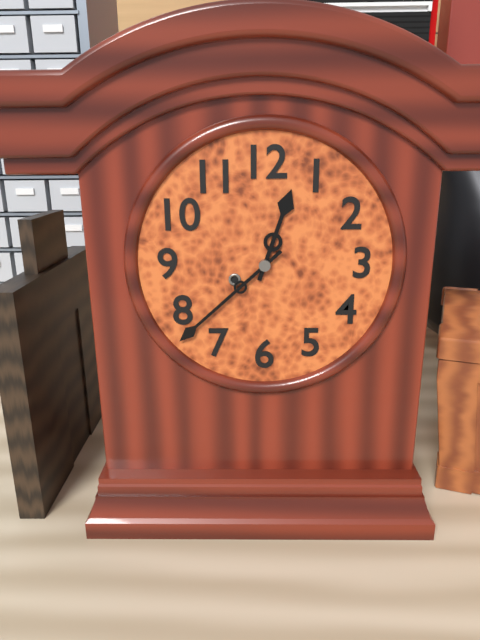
12.38
